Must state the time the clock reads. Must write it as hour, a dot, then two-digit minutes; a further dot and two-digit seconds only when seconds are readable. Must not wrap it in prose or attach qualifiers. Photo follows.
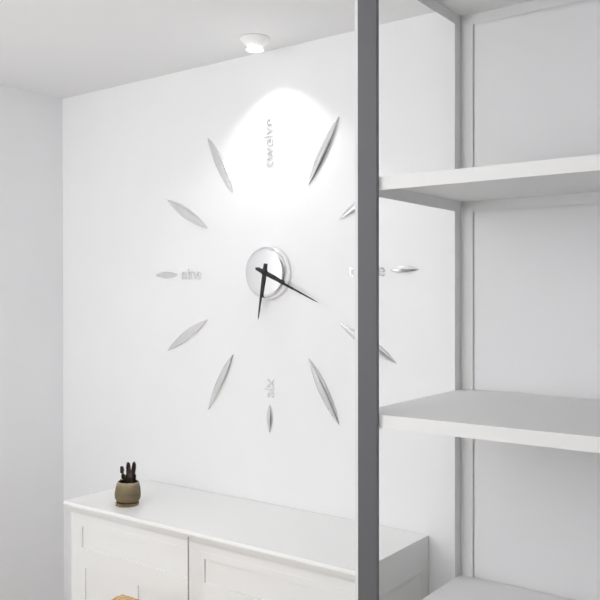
6.19
